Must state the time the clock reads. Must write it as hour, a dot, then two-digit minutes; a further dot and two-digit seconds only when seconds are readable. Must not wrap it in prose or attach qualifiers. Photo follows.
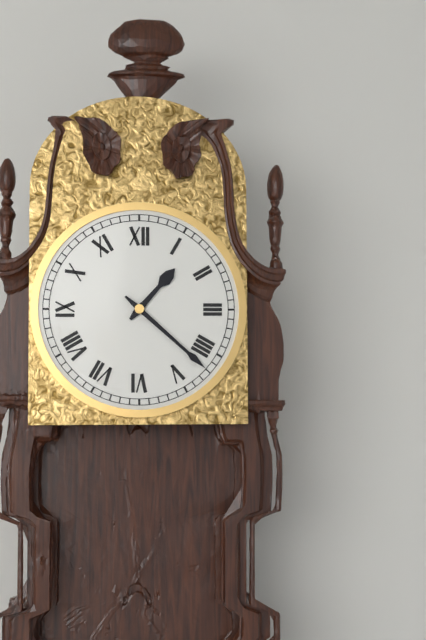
1.22
